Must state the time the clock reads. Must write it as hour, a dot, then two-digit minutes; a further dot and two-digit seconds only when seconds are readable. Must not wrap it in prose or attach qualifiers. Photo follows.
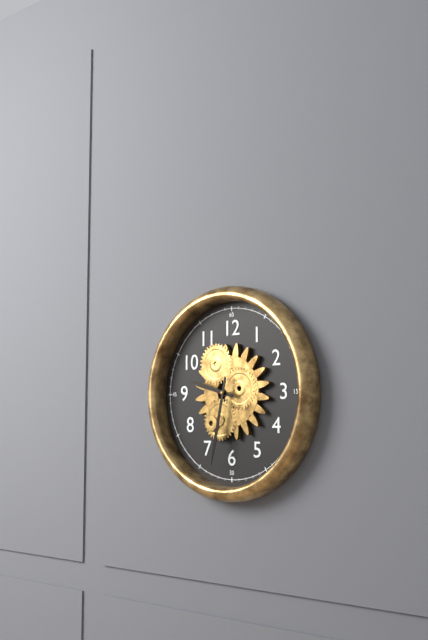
9.32
